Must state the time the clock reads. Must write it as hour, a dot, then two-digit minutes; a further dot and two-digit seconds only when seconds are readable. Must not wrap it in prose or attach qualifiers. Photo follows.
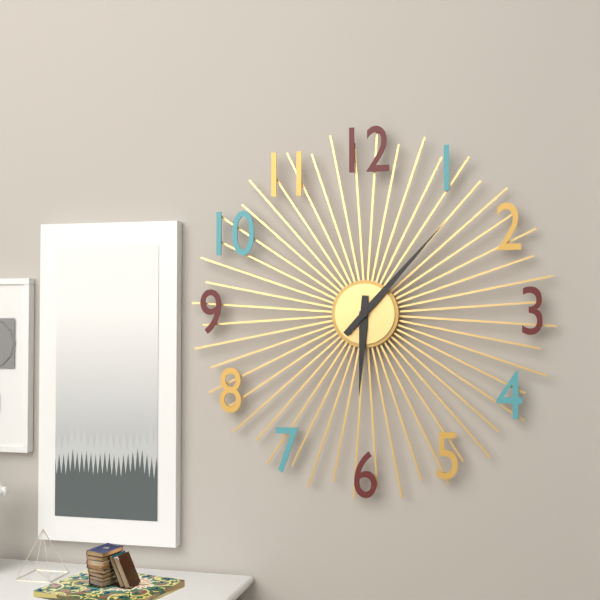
6.07
